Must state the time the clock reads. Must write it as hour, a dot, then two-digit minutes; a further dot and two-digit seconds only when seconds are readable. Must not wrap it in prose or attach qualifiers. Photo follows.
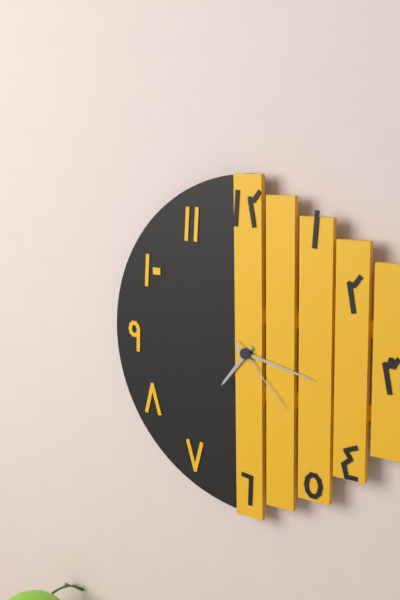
7.17.23
